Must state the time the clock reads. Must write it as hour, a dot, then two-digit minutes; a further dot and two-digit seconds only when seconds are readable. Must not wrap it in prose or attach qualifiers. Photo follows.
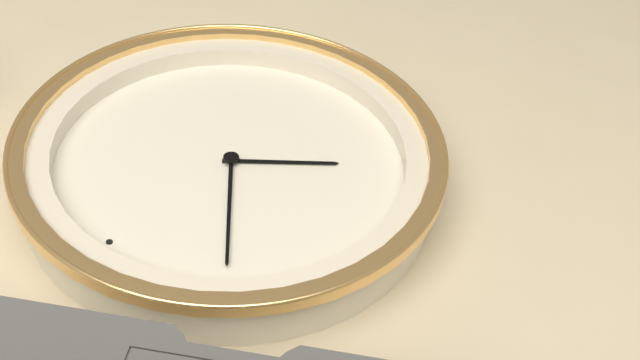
6.49
